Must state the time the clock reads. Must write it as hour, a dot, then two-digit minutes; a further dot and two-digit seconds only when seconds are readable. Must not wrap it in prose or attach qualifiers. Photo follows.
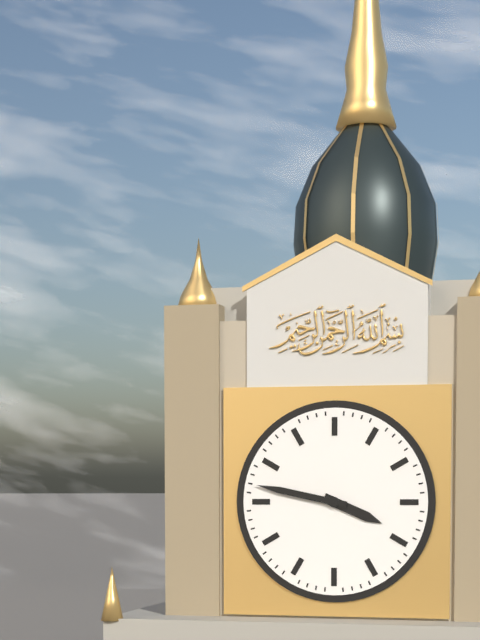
3.47
